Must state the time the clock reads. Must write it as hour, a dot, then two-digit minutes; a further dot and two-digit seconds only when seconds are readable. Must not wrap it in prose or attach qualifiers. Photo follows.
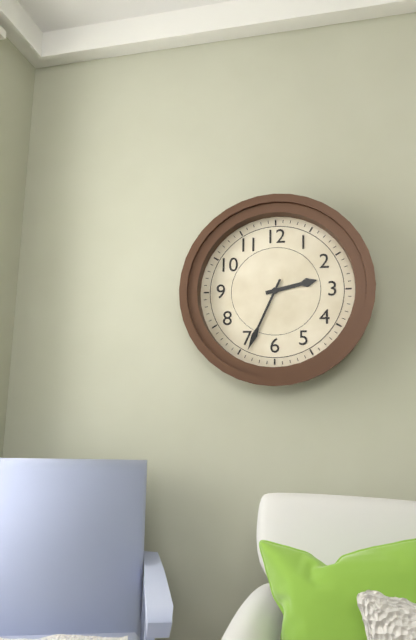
2.34
